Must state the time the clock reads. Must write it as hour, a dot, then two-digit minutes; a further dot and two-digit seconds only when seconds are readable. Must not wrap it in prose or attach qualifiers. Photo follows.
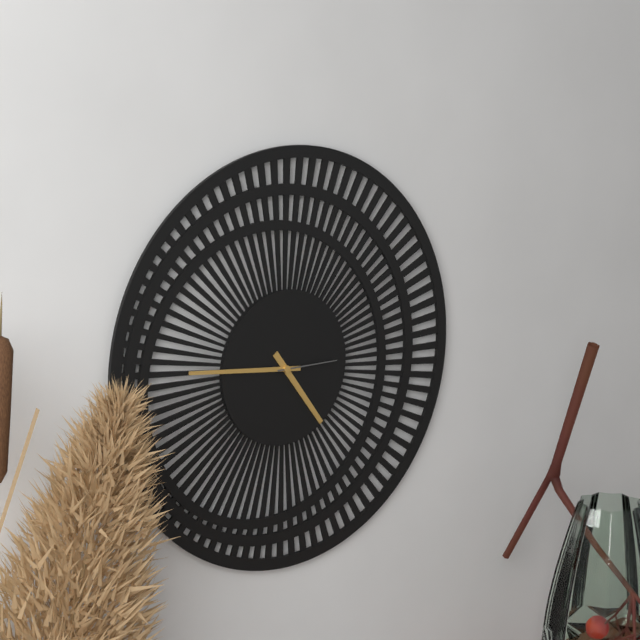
4.46.15
